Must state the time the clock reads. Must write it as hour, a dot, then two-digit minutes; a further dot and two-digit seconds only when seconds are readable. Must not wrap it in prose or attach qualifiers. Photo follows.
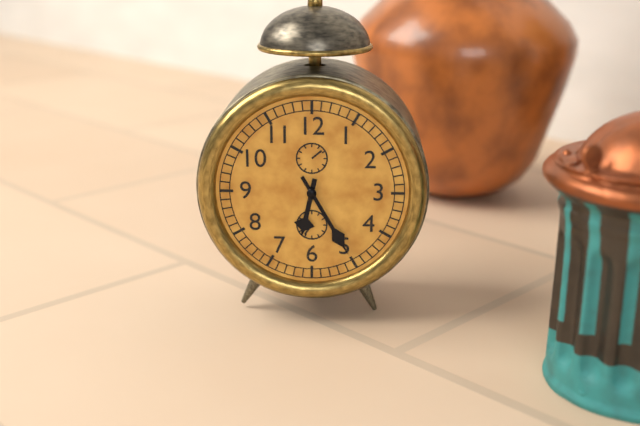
6.25
